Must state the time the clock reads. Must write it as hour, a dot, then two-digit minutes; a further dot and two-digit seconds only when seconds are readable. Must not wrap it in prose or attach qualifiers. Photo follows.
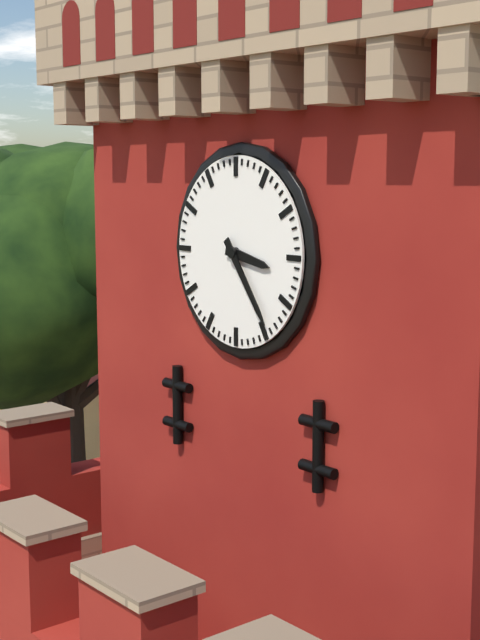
3.24
